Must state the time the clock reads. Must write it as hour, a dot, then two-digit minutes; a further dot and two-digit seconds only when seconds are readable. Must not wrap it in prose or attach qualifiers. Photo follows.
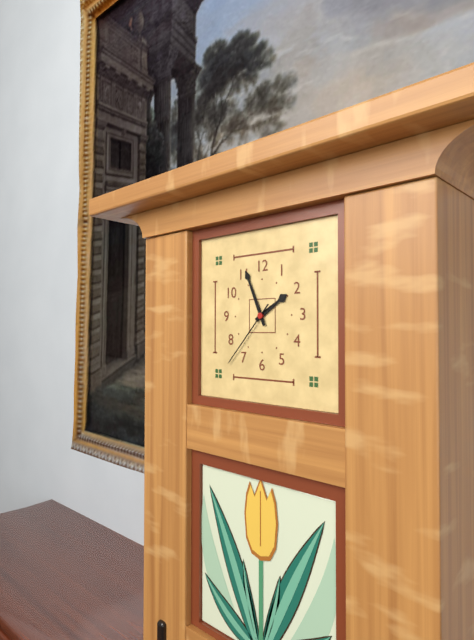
1.56.37
